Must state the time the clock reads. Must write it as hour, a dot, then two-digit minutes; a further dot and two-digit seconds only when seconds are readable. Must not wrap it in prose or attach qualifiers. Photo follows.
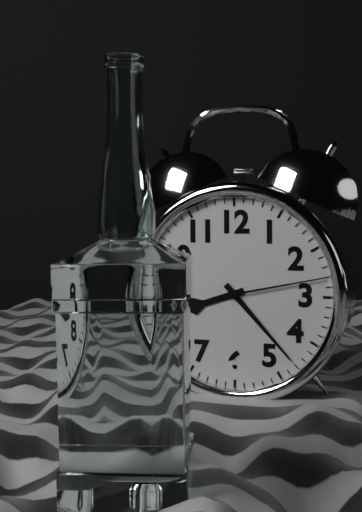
8.23.13
